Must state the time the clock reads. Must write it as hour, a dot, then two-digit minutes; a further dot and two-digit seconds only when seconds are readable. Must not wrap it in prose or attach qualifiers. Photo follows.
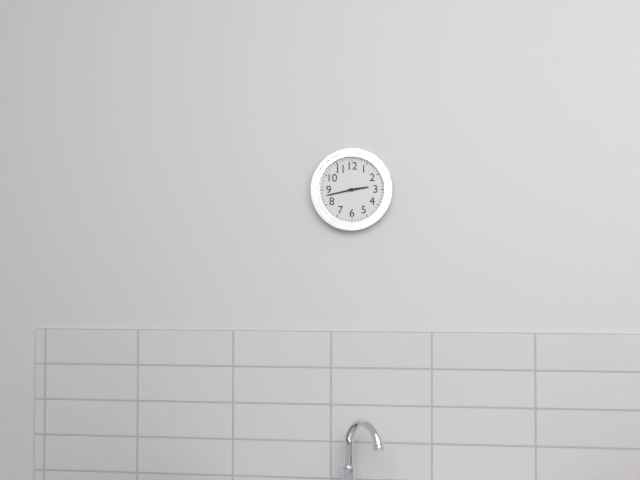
2.43
